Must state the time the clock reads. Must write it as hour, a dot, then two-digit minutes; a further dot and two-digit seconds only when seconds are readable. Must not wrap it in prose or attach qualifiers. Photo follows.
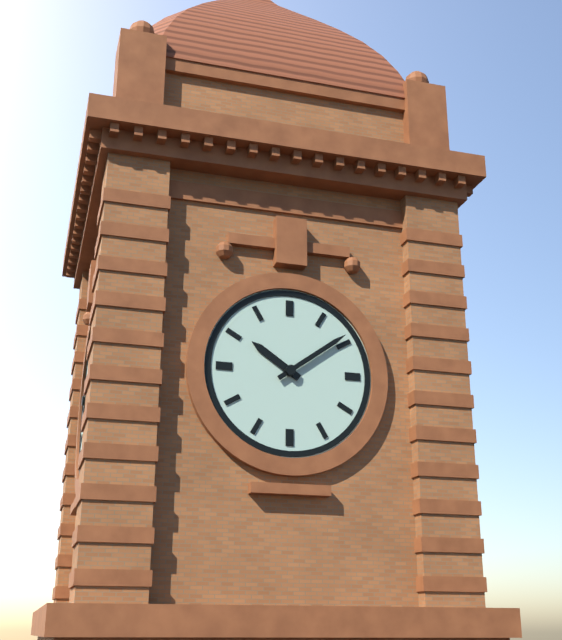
10.09
